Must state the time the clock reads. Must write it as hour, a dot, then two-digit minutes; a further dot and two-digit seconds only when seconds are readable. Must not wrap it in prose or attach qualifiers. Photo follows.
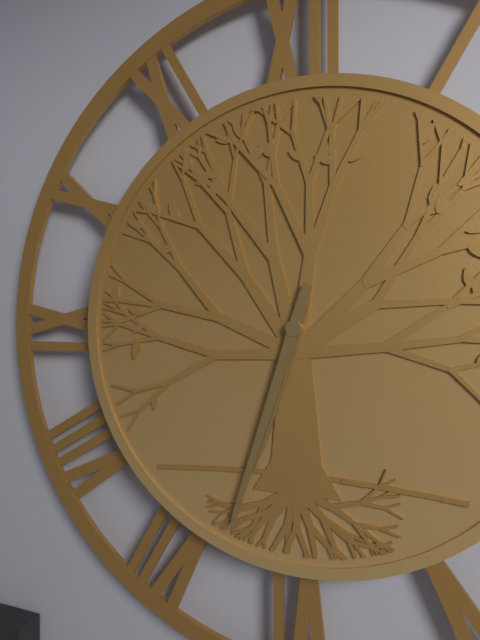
6.33
